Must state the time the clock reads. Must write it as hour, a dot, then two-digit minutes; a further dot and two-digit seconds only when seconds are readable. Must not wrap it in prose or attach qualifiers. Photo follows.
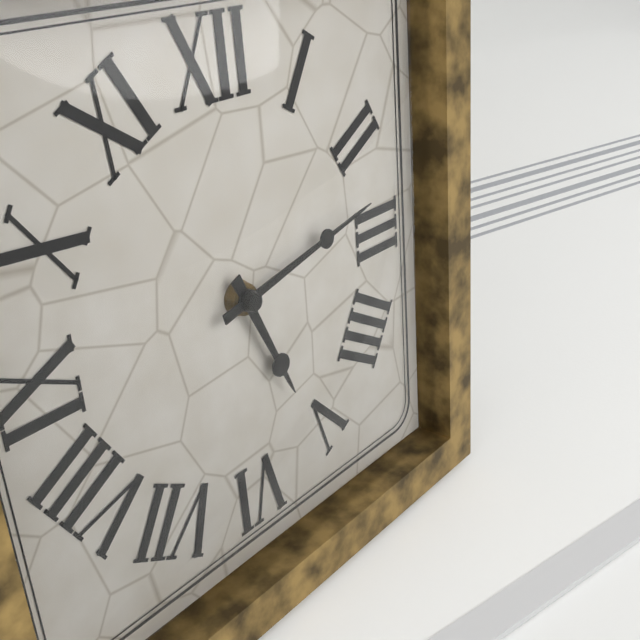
5.13
